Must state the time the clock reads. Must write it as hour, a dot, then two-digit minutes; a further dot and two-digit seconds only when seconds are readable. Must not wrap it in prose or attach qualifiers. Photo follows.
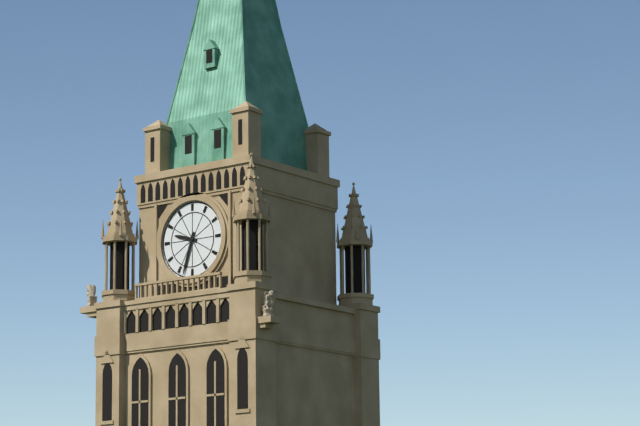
9.33
